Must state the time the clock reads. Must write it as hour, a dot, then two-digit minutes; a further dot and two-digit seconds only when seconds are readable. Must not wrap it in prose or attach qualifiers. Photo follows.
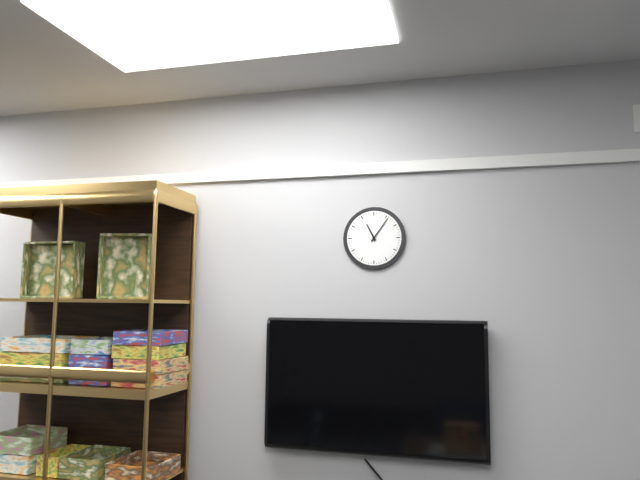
11.06
